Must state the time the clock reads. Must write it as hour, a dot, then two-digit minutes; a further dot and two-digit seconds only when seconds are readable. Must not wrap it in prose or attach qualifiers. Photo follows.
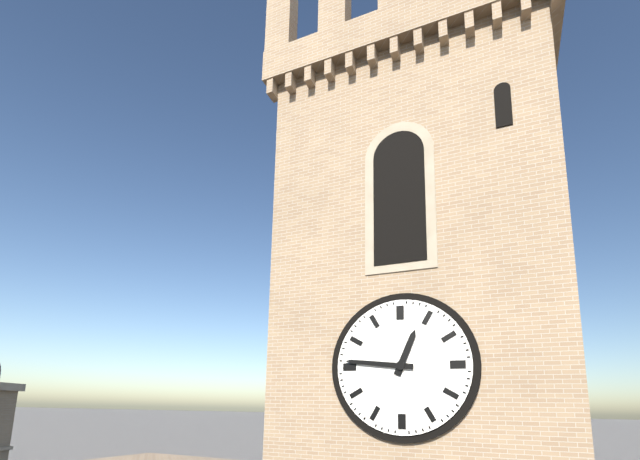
12.46
